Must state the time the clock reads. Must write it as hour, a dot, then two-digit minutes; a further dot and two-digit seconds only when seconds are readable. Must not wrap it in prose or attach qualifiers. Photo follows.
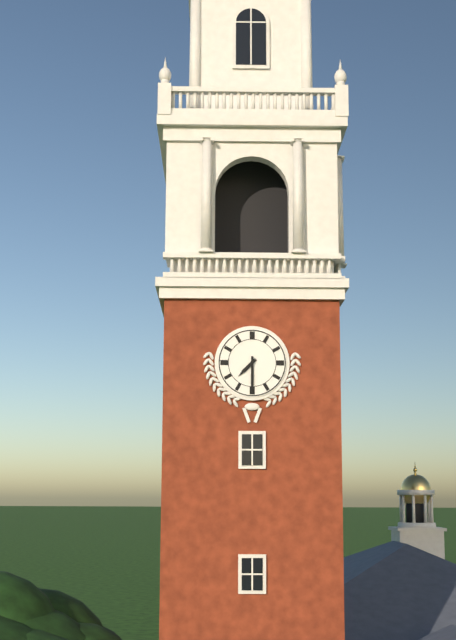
7.30
